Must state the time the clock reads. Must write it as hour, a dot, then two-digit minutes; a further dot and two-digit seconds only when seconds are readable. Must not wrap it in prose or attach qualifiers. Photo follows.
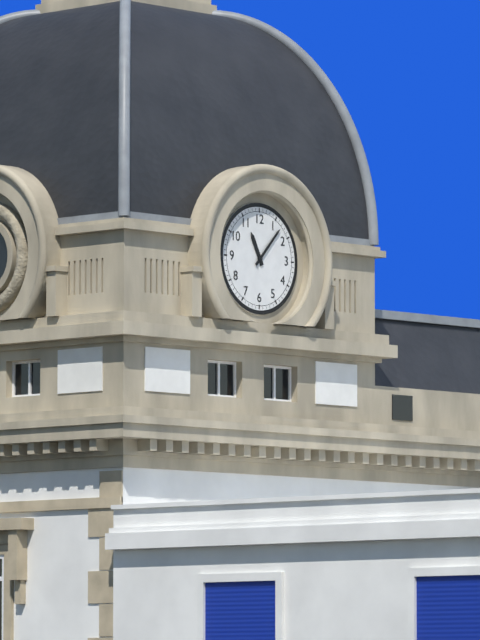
11.07
